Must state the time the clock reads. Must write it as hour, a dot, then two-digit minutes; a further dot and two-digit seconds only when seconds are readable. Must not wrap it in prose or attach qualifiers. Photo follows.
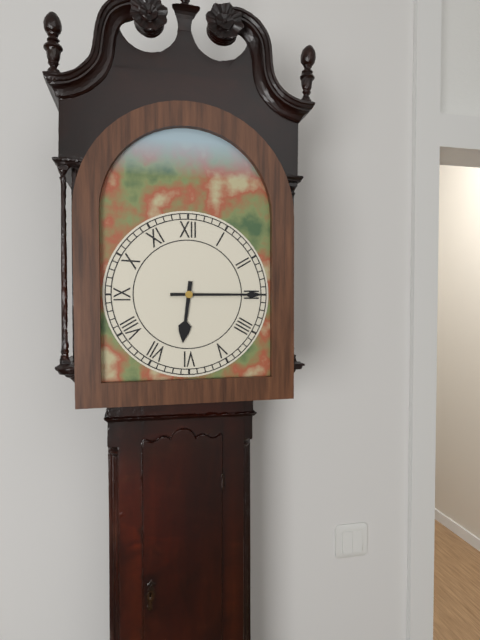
6.15
